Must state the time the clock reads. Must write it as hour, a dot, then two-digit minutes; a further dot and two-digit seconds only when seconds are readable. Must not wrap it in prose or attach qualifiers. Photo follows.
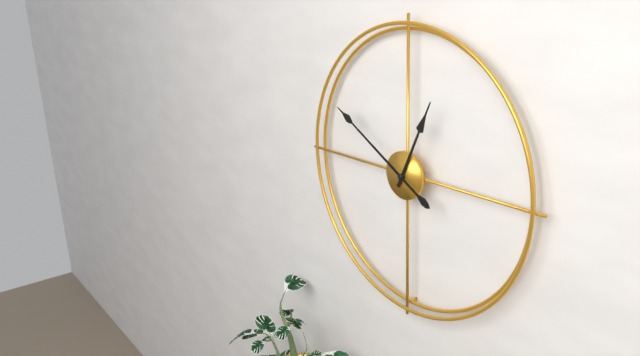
12.50
